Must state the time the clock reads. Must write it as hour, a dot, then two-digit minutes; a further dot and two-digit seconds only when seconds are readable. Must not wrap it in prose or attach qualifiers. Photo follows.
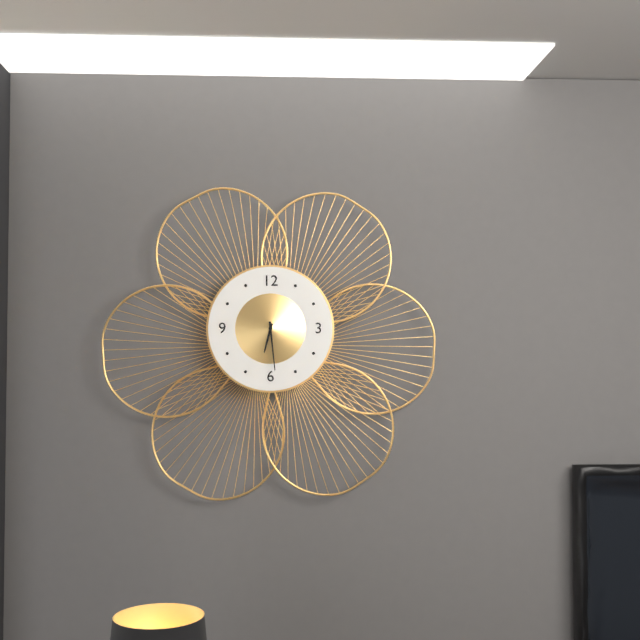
6.29
